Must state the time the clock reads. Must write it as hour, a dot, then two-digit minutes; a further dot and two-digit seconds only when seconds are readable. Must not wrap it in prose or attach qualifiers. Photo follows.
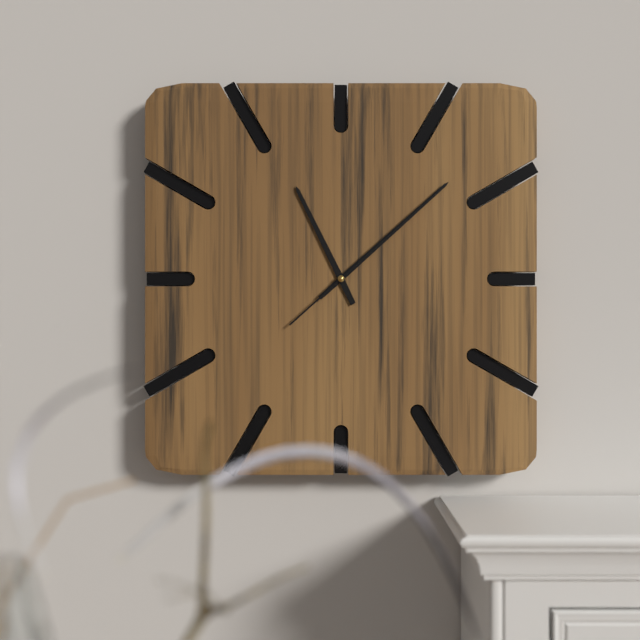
11.08.08
